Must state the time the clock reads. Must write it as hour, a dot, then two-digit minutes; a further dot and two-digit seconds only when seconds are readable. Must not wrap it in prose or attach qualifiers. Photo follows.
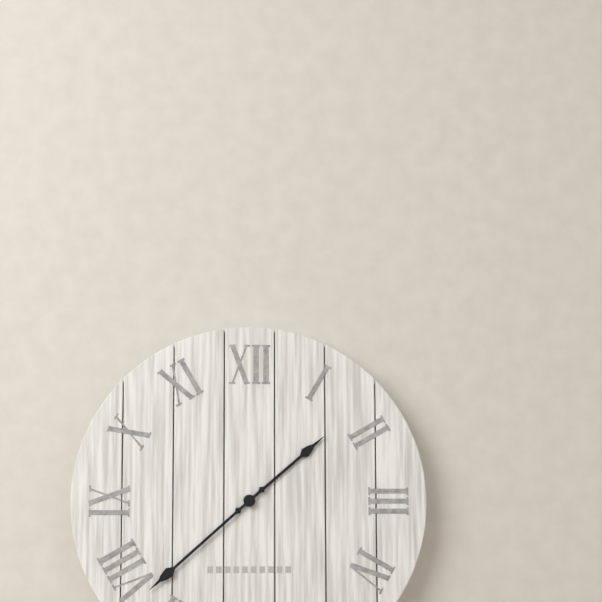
1.38
